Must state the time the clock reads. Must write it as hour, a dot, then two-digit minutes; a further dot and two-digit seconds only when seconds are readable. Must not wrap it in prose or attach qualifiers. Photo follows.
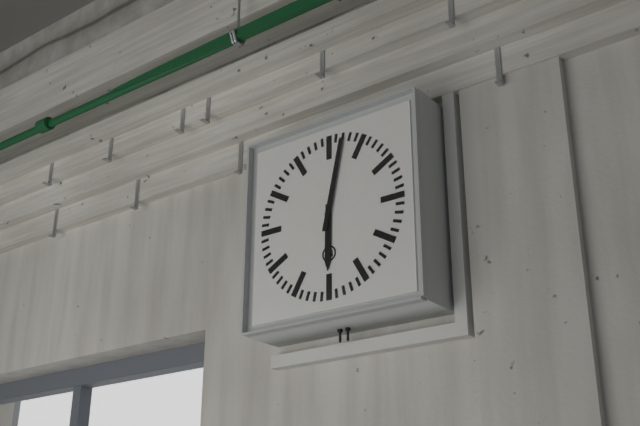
6.02
